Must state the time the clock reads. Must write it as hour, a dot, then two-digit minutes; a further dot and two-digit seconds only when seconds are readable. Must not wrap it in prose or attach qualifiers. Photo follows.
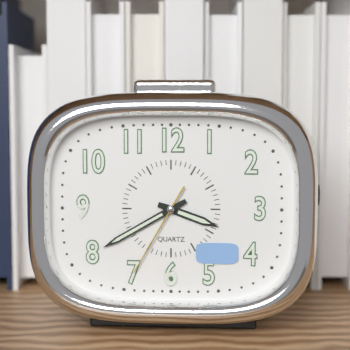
3.40.35
